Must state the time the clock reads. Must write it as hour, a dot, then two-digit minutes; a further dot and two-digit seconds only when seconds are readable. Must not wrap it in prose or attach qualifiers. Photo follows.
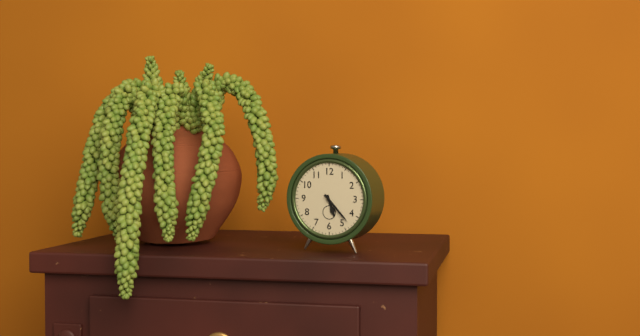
5.23
